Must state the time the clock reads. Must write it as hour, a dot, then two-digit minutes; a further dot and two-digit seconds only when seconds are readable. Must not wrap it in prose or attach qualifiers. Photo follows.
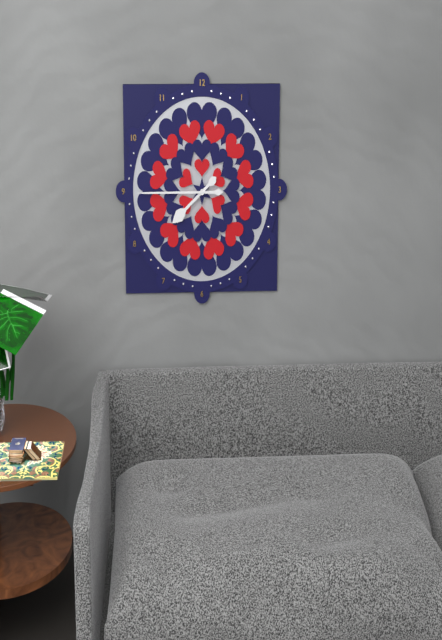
7.45
